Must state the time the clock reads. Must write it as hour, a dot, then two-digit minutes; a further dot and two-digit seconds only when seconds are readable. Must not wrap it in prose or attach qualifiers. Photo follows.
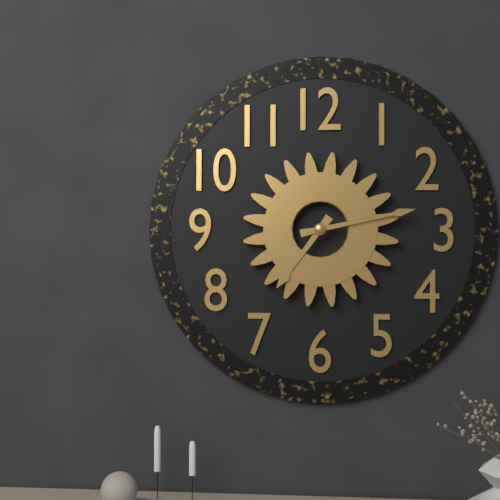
7.13
